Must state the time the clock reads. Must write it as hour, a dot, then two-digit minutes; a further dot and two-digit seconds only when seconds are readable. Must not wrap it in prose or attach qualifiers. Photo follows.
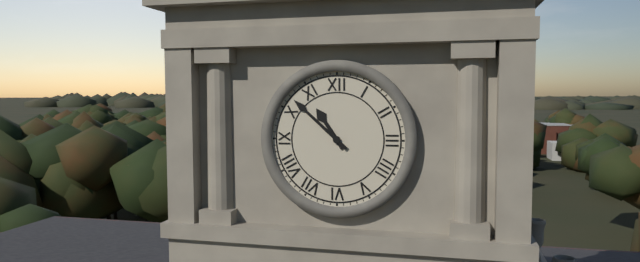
10.52
